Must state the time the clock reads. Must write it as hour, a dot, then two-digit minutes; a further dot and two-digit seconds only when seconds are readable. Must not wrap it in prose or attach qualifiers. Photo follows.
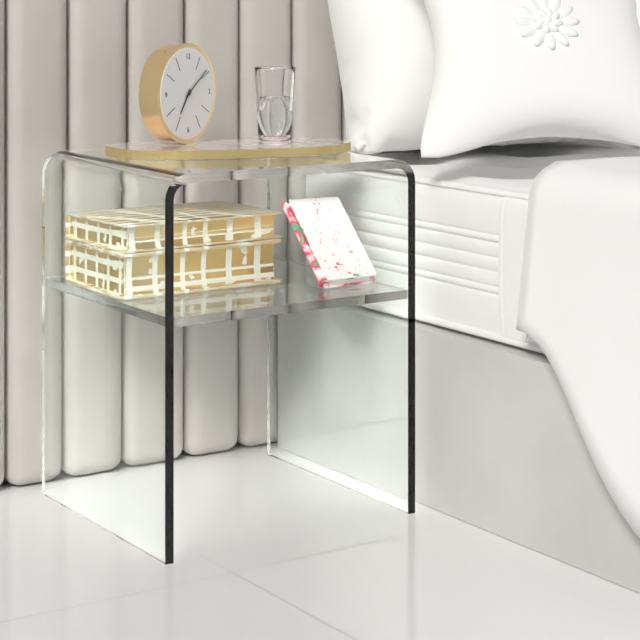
7.09
